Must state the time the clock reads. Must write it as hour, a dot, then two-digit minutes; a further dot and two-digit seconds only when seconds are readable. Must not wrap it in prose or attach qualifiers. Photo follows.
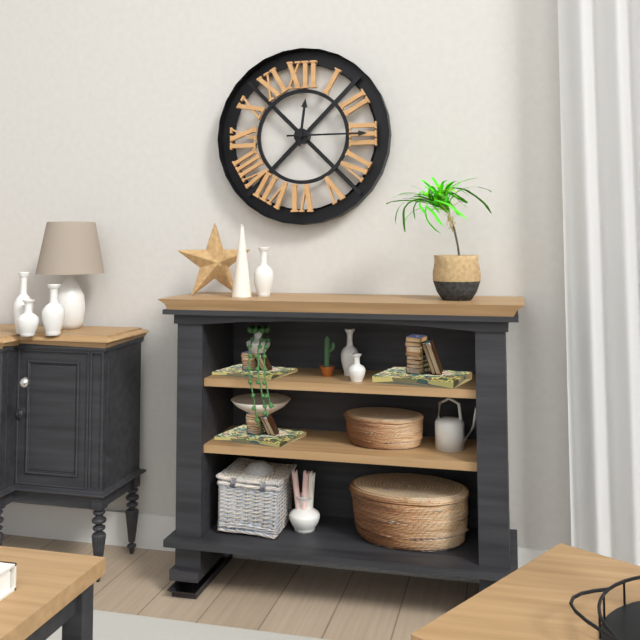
12.15
